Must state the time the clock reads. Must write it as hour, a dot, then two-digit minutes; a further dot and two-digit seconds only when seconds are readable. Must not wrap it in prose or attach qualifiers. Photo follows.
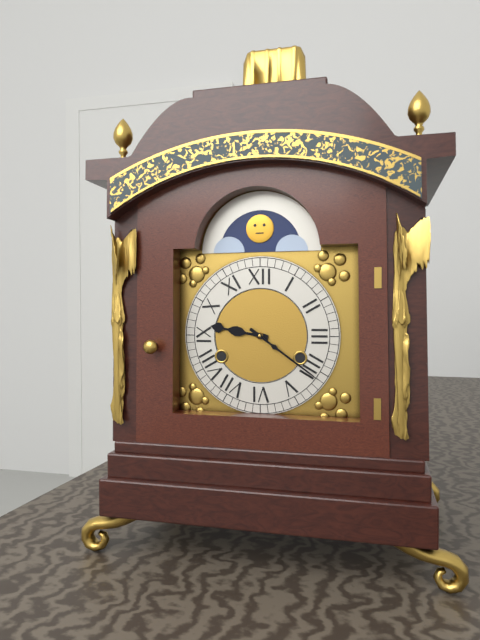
9.21
